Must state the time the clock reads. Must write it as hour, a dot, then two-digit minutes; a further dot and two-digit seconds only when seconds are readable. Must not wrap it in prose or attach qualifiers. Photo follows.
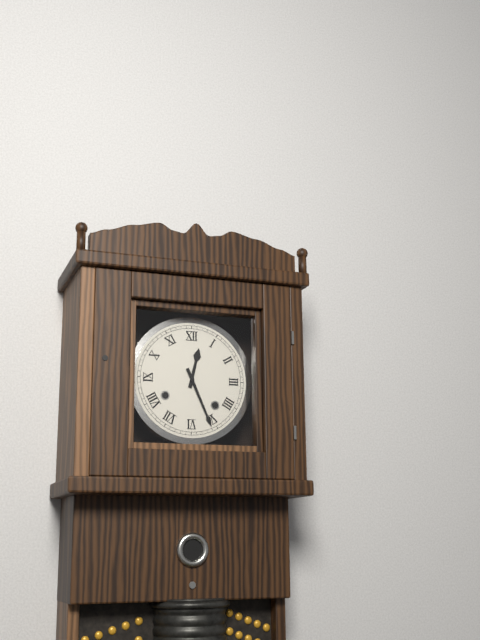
12.26
